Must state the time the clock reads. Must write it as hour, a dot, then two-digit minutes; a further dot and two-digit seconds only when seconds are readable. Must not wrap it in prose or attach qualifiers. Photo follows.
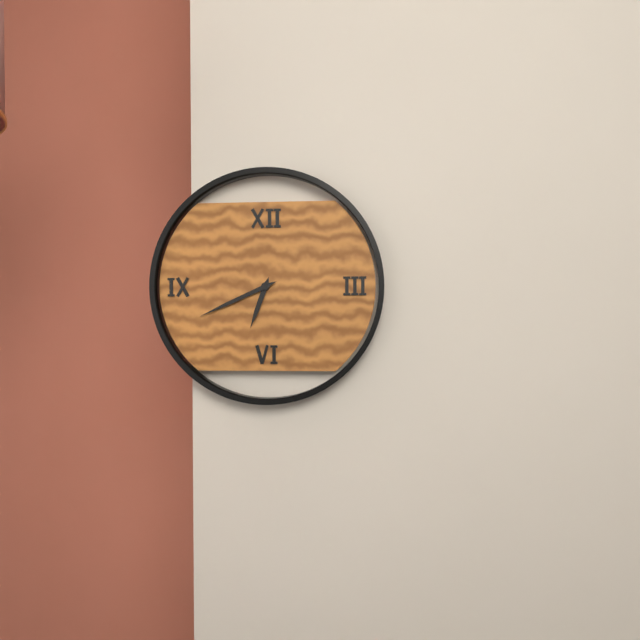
6.41
